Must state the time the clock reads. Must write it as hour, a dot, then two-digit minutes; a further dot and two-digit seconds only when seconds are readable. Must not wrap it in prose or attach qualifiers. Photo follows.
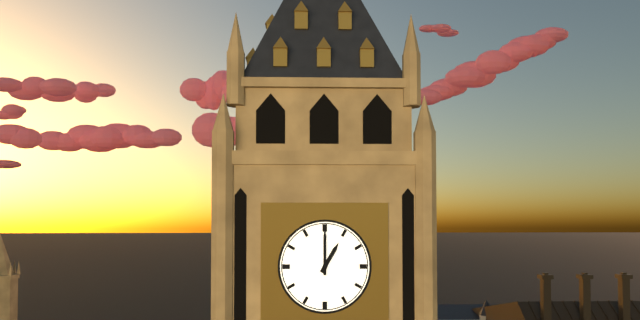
1.00
